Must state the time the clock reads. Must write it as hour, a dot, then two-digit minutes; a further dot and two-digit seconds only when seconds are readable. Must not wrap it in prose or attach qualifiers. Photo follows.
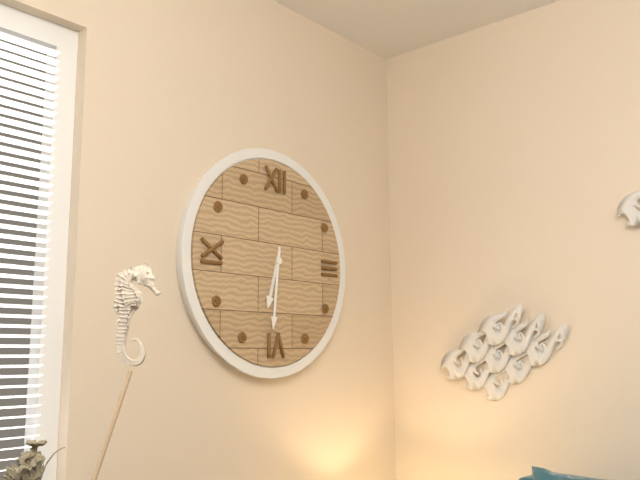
6.31
